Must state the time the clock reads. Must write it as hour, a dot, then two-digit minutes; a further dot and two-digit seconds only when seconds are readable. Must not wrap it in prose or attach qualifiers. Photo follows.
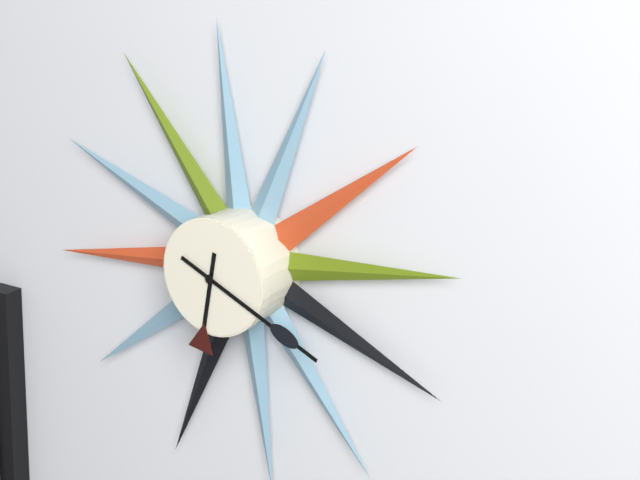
6.19
